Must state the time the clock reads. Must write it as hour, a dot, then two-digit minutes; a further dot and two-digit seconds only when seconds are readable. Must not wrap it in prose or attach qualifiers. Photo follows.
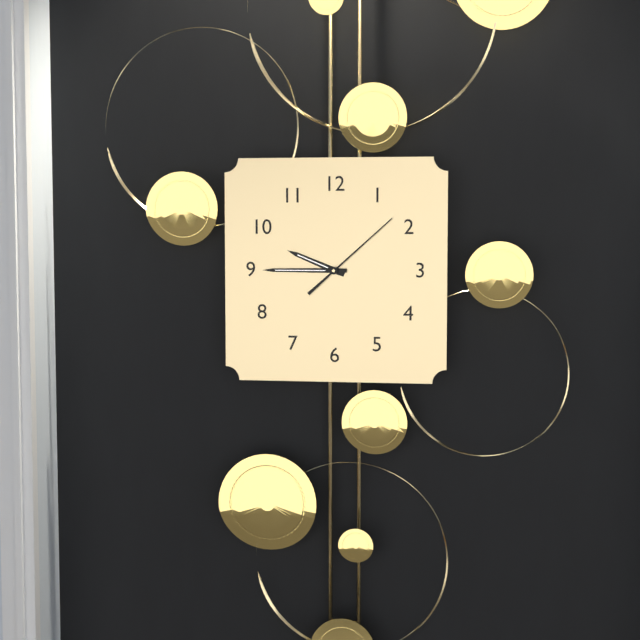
9.45.08
